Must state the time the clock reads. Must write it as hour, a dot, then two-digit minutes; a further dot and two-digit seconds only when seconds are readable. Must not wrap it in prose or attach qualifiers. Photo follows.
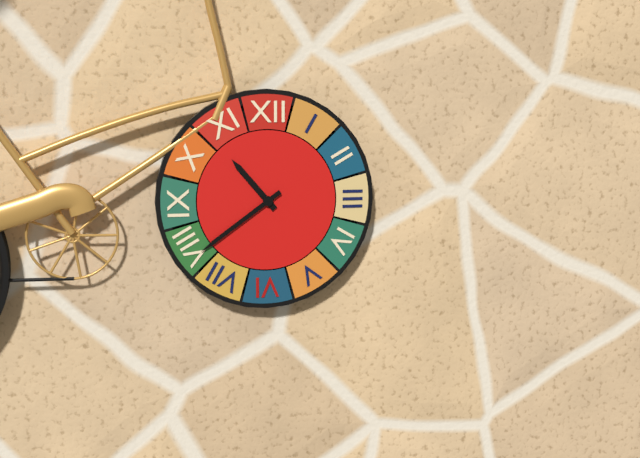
10.39
